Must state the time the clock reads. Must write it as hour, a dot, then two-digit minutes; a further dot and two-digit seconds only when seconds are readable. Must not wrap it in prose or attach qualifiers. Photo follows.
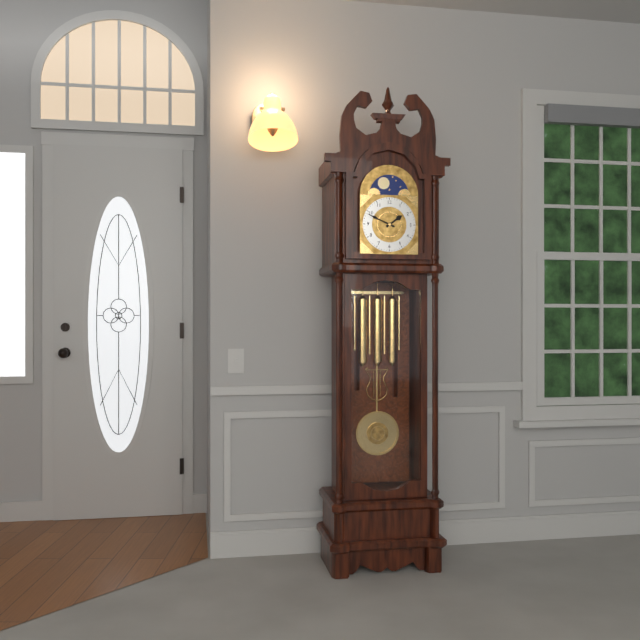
1.49
